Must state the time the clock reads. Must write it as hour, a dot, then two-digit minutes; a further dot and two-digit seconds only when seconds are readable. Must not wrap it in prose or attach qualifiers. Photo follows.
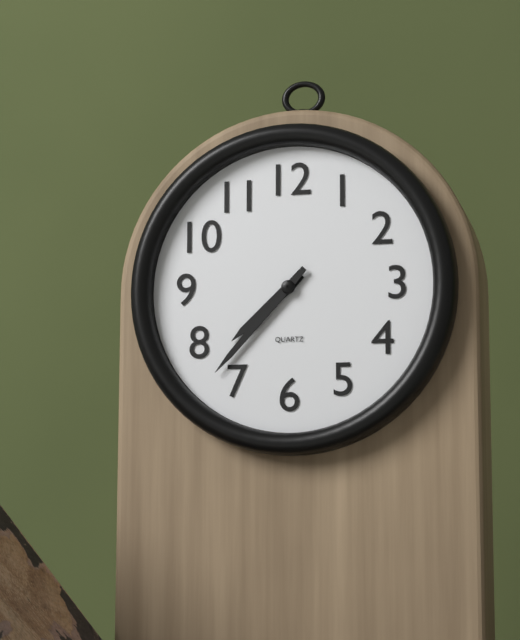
7.37
